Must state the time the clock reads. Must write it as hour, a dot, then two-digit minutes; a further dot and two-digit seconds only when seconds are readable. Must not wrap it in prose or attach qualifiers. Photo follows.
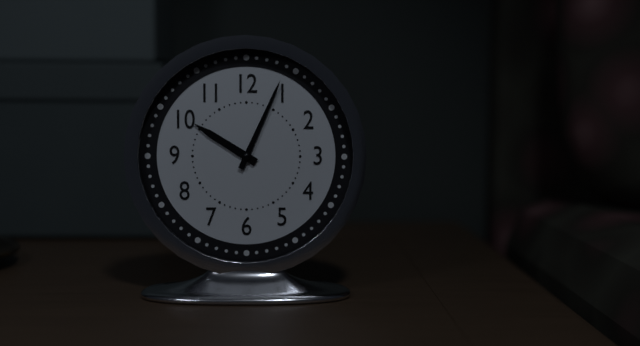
10.04
